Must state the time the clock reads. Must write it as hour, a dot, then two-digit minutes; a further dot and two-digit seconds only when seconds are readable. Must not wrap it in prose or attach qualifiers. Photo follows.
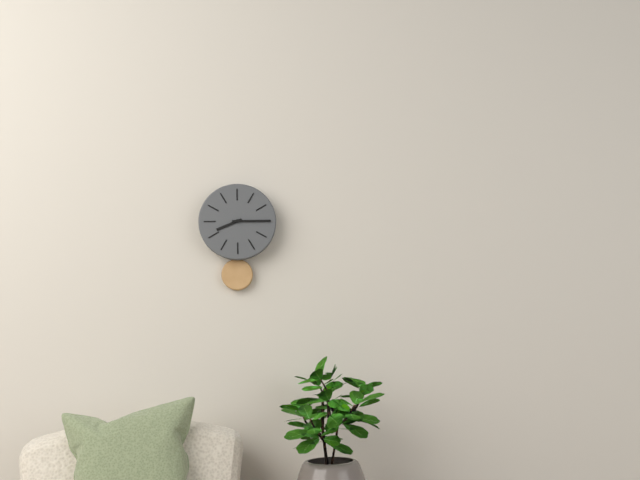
8.15
